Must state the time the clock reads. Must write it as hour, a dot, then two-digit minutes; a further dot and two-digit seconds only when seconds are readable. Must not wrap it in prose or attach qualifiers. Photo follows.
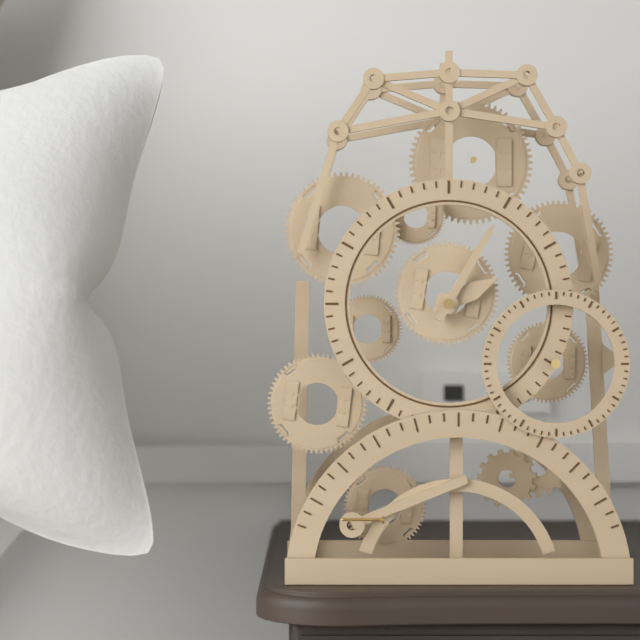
2.05
